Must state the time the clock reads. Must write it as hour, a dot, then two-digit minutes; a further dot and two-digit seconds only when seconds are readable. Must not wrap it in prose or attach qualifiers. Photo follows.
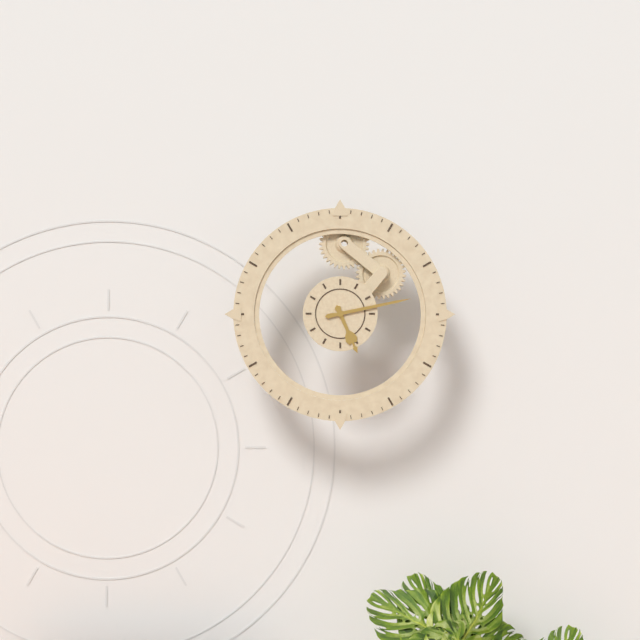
5.13
